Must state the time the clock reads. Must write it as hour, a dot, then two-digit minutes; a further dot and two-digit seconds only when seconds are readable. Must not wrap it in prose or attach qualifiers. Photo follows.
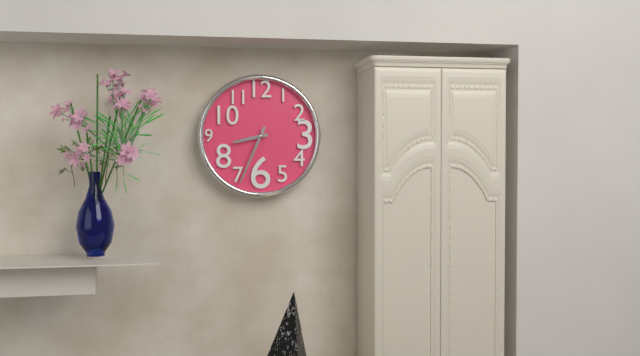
8.34
